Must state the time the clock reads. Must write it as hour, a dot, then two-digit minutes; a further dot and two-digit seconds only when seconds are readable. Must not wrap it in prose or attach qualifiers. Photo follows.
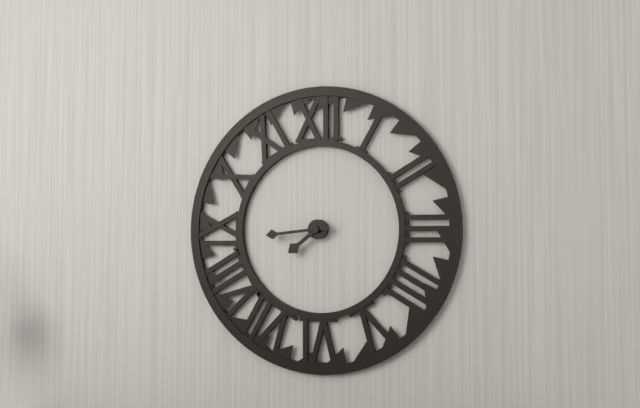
7.44
